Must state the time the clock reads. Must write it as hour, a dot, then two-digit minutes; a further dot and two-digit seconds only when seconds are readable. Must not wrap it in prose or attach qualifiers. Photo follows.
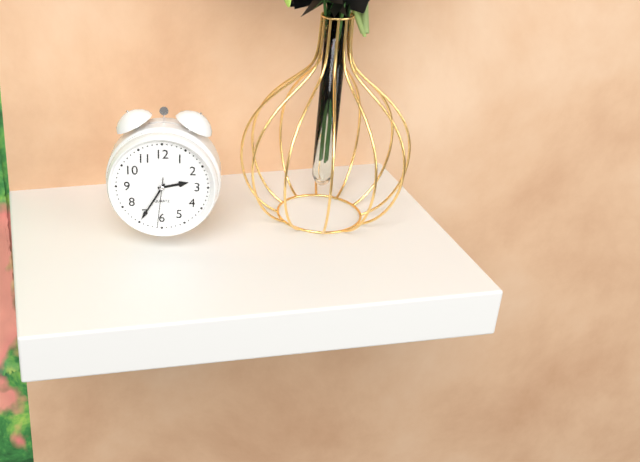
2.35.31
